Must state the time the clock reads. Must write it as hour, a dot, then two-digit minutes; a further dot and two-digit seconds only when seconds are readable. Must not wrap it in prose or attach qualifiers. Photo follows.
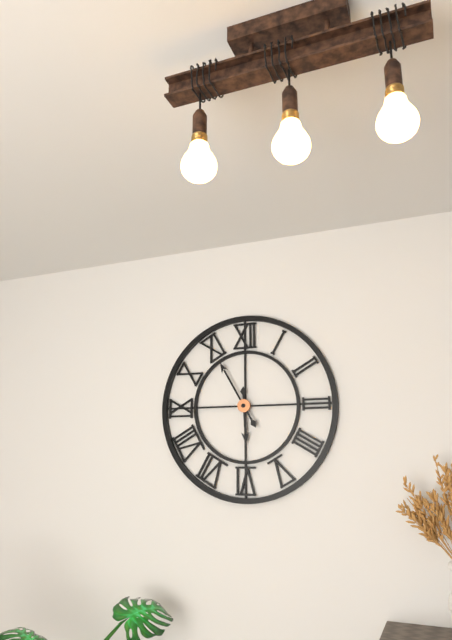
5.55
